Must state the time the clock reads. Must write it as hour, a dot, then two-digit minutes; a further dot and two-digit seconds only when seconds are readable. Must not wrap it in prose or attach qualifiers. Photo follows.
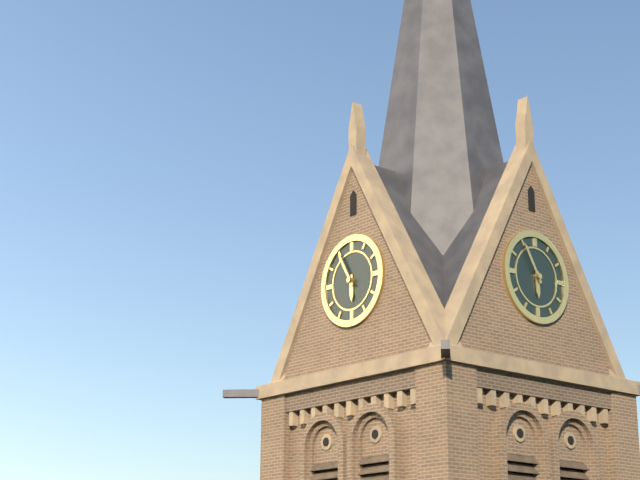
5.55
